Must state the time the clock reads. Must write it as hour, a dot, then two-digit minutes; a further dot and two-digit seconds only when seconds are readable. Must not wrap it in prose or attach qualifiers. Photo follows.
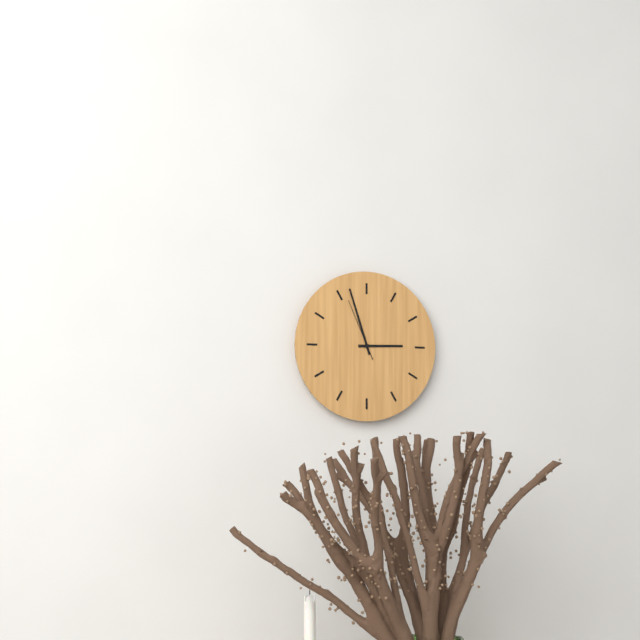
2.57.56
